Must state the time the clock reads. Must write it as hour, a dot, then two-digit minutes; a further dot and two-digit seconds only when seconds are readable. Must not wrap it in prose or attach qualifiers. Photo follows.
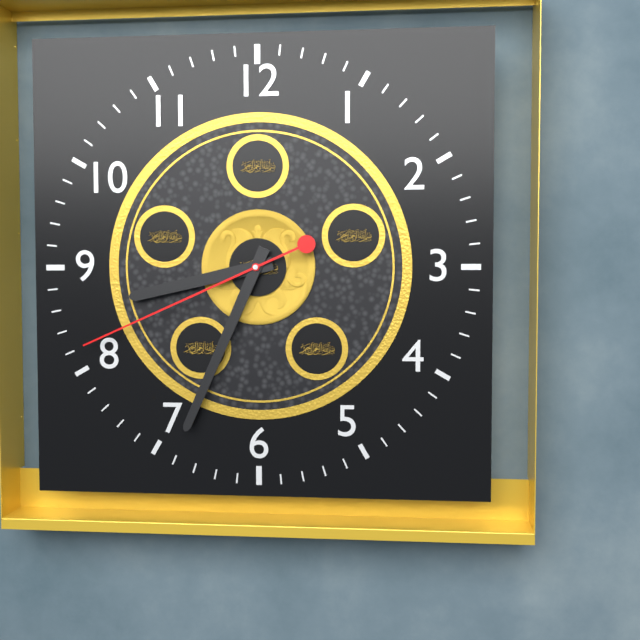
8.34.41
